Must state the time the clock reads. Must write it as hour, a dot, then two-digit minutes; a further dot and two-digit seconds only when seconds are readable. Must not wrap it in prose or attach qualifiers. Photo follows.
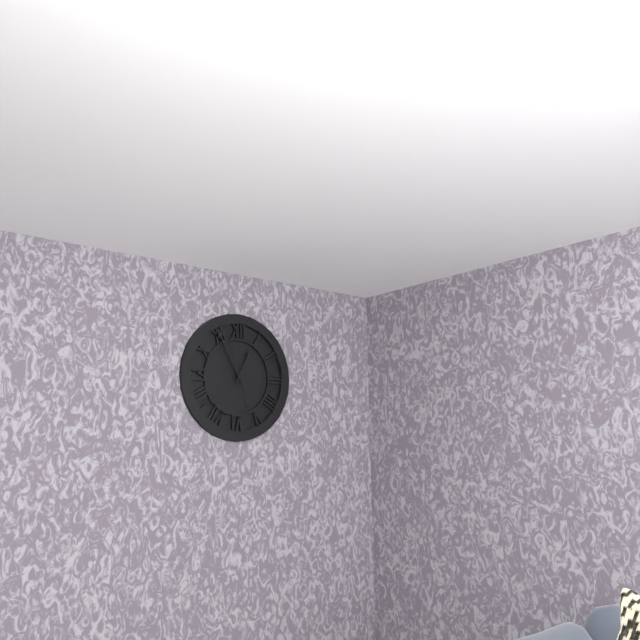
12.55.27
